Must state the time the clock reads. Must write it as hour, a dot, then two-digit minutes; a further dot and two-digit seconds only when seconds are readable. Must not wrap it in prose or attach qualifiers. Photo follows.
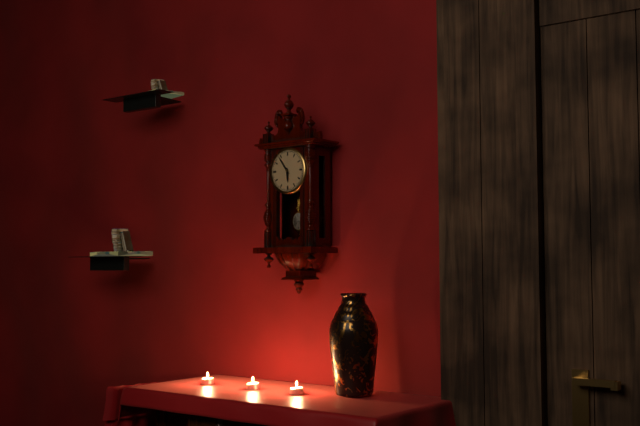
5.54
